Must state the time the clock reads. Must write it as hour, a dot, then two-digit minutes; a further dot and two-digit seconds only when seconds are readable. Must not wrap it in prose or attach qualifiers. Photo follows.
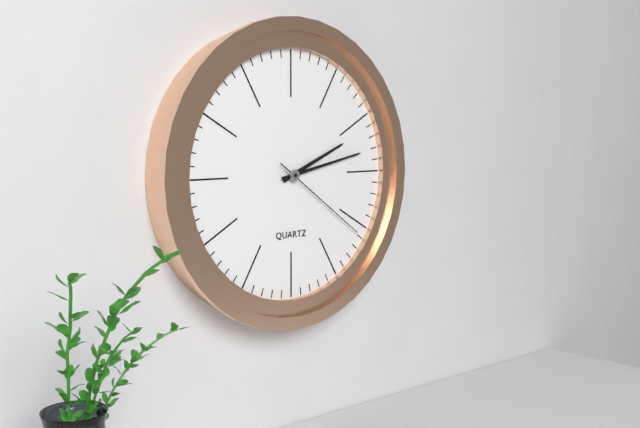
2.13.21
